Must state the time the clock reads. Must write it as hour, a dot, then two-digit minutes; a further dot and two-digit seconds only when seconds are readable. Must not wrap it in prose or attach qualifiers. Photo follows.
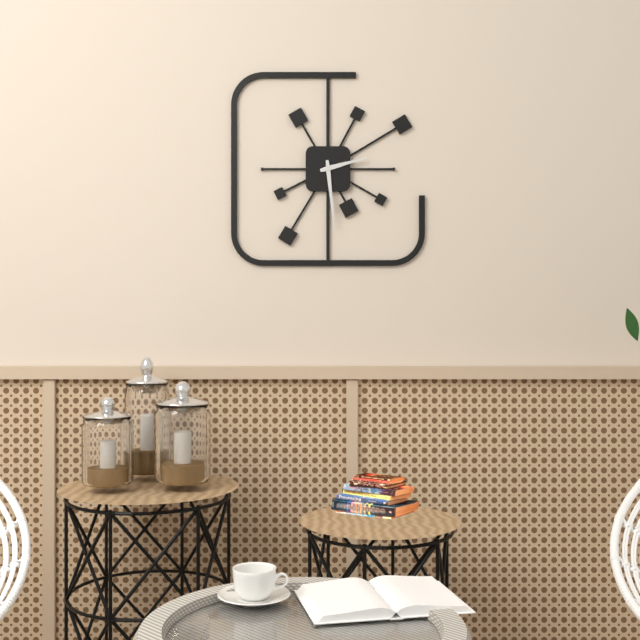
2.29
